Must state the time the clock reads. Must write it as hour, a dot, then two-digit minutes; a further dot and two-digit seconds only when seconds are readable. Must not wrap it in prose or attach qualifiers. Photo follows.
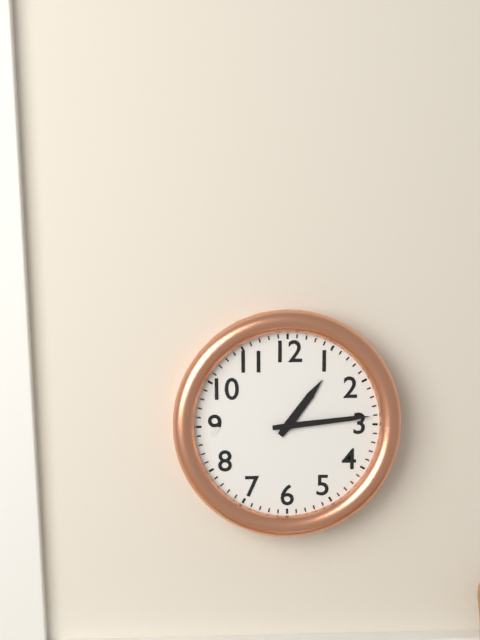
1.14
